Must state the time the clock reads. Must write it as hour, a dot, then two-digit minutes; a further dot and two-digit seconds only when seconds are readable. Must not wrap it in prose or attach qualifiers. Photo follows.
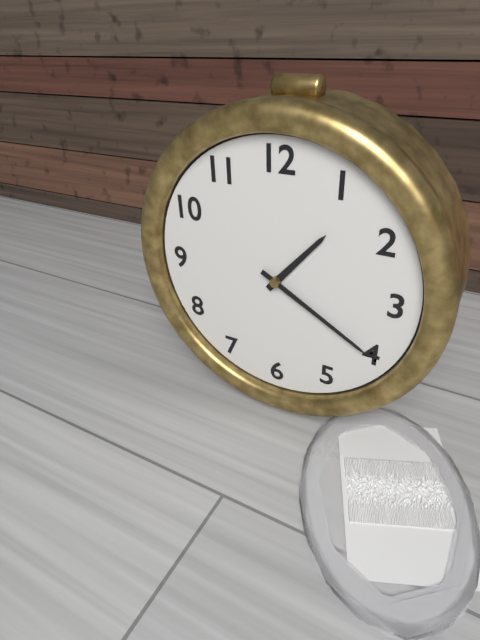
1.20
